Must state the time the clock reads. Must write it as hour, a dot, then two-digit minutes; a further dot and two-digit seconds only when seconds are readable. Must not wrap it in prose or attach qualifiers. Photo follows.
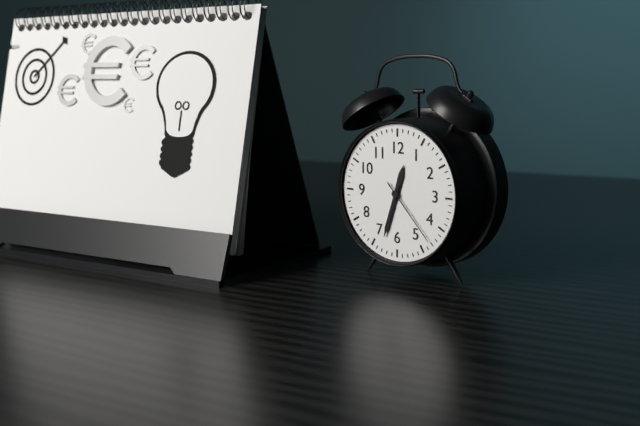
12.33.23
